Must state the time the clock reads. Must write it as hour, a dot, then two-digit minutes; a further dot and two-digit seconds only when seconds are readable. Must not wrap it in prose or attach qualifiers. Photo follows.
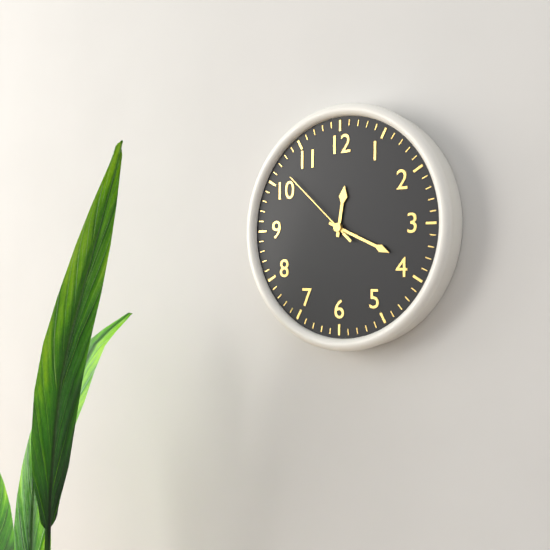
12.19.52
